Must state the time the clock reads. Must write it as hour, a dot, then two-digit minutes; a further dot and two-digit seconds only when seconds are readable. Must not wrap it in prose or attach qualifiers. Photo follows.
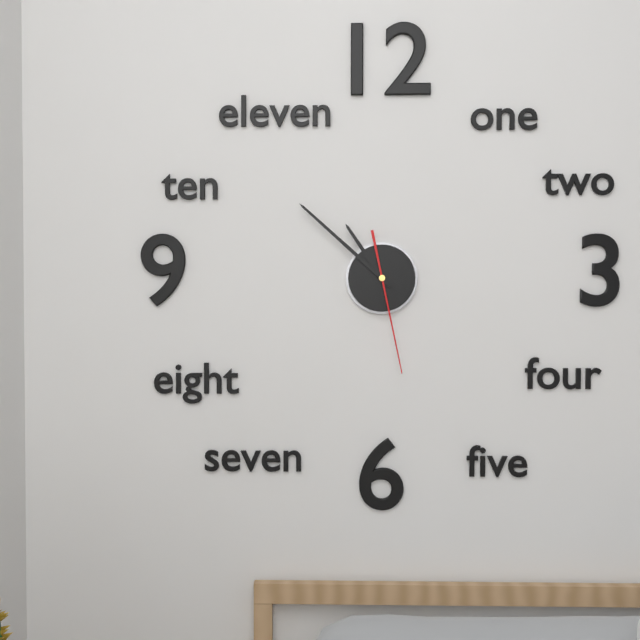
10.52.28
